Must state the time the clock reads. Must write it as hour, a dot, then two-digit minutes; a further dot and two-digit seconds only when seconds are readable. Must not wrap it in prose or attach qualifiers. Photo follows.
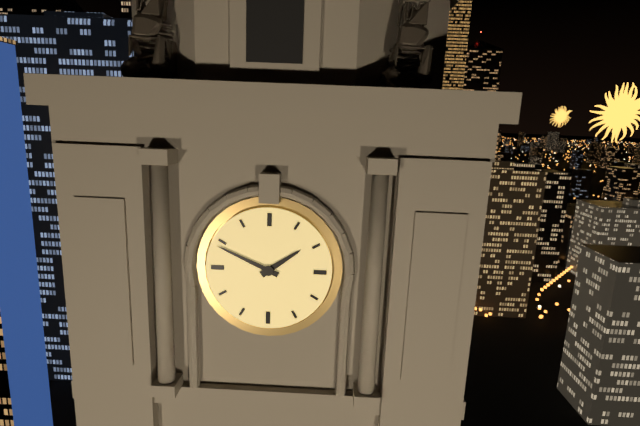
1.49
